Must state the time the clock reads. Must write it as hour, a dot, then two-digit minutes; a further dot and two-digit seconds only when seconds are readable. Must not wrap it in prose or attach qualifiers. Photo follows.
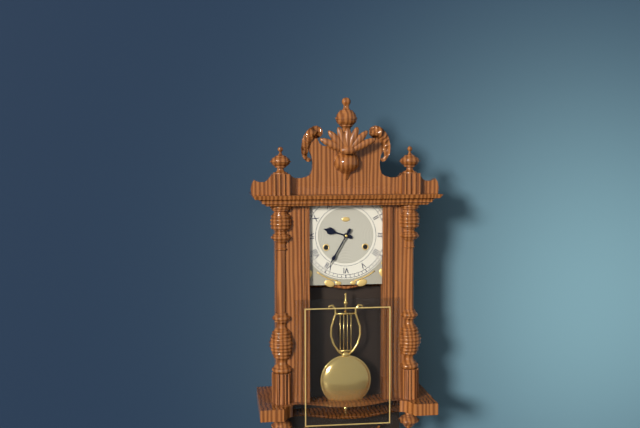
9.35
